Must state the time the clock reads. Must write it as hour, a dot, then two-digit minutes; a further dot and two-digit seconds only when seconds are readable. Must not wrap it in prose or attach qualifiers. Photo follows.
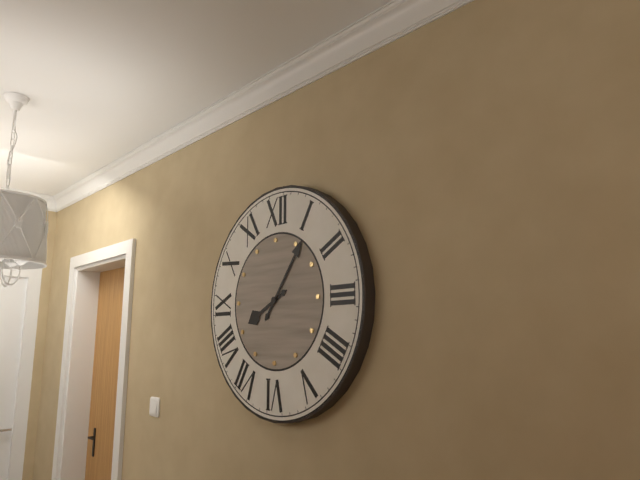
8.06
